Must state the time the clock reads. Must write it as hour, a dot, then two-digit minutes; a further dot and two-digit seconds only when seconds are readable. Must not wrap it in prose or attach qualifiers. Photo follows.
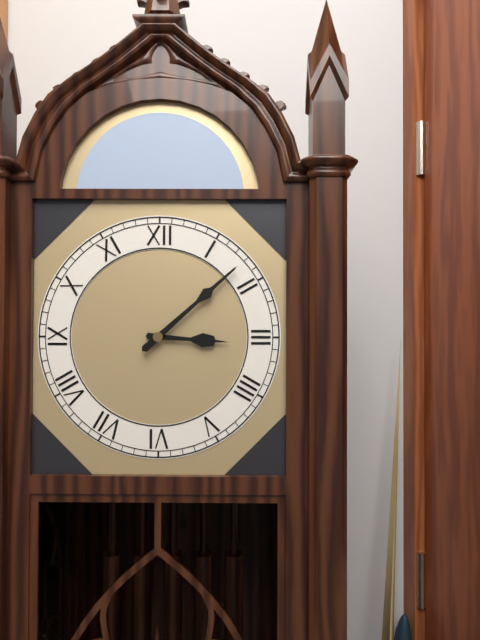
3.08
